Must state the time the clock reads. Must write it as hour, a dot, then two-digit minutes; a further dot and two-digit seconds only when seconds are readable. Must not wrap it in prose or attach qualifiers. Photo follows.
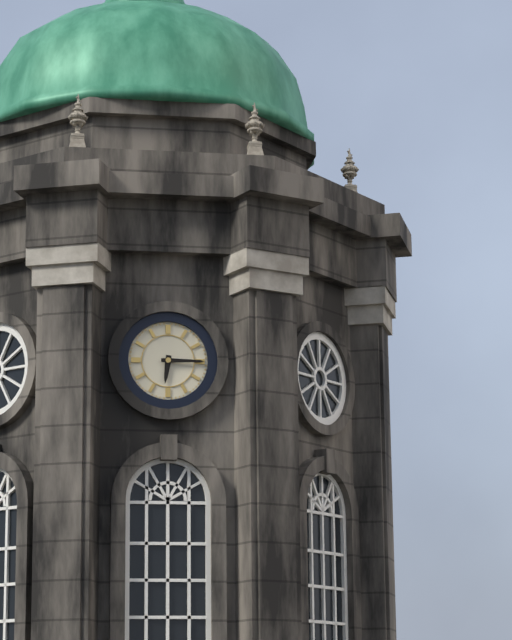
6.15
